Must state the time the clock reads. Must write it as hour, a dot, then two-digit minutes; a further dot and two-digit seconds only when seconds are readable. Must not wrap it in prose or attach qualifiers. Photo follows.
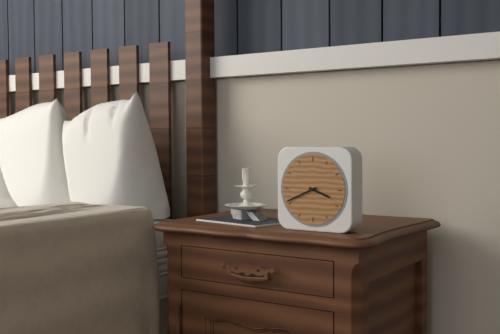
3.41
